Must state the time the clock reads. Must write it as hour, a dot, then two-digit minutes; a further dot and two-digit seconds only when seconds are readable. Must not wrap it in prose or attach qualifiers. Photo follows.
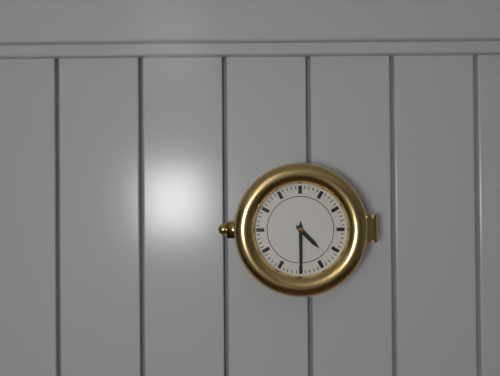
4.30
